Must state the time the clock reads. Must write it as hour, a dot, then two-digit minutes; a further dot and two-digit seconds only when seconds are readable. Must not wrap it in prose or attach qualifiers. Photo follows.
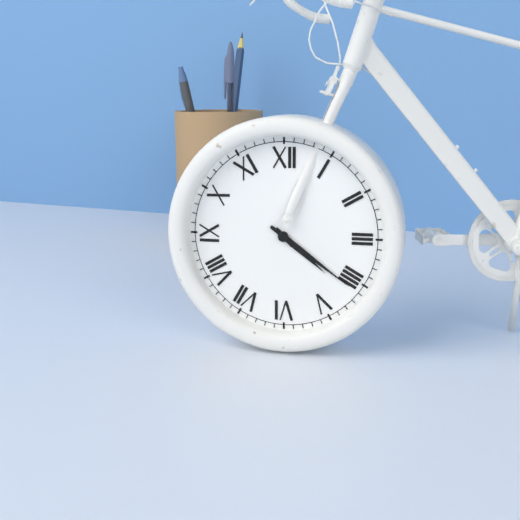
4.21
